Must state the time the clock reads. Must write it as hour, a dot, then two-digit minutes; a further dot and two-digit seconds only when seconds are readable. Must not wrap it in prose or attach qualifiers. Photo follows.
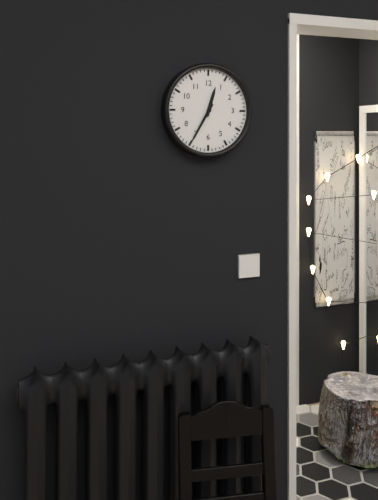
12.35
